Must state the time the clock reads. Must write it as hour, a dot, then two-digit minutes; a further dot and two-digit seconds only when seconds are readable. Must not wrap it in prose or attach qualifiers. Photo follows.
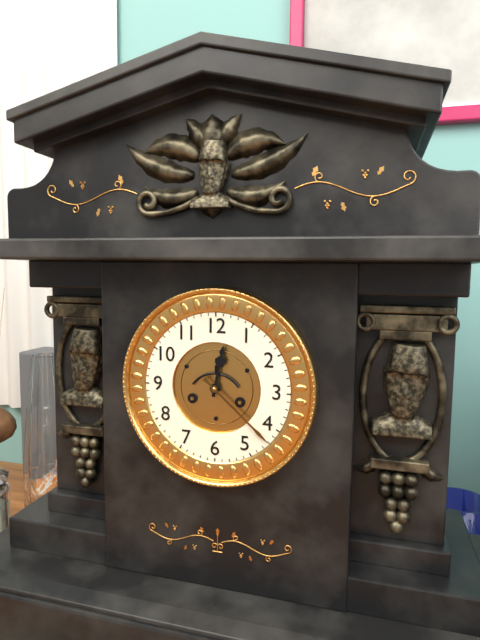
12.22
